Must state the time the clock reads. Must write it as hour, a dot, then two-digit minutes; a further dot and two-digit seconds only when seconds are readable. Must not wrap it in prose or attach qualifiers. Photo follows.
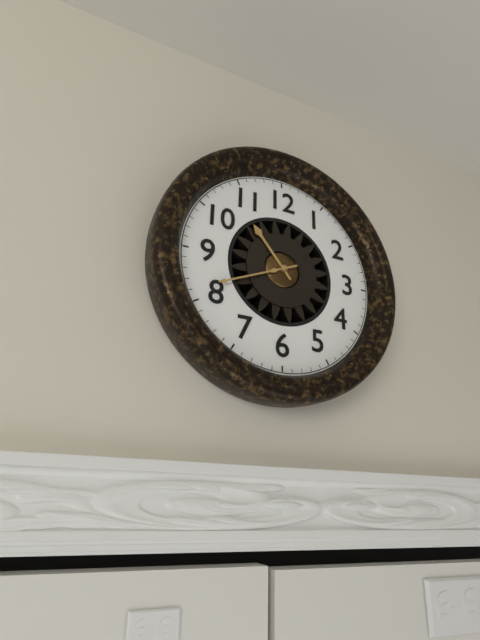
10.41
